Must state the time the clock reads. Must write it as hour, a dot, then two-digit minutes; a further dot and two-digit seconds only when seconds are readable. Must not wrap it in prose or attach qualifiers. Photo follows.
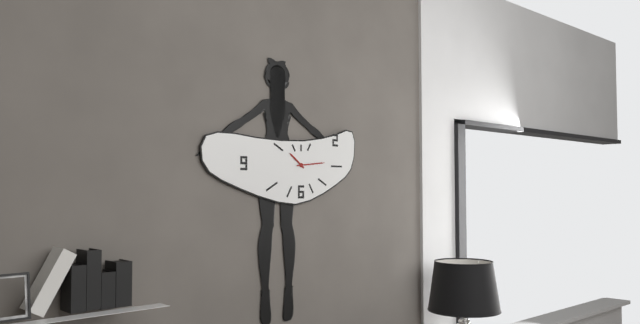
10.14
